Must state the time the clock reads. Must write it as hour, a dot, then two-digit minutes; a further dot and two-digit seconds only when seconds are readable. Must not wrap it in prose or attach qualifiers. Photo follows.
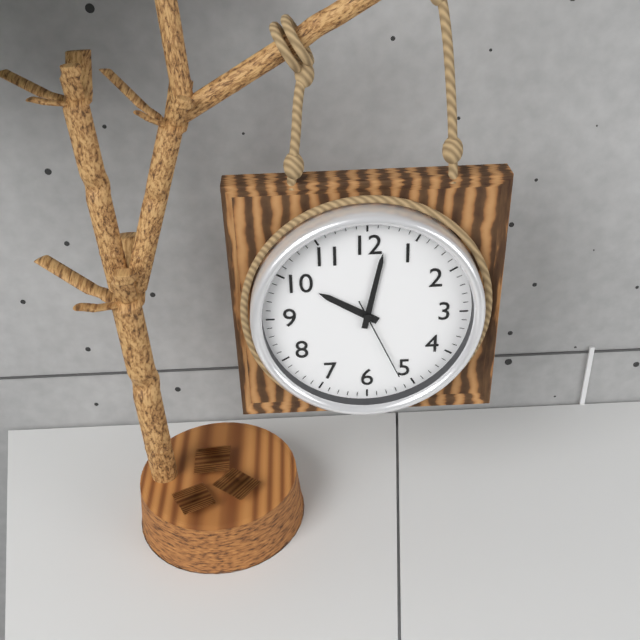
10.02.26
